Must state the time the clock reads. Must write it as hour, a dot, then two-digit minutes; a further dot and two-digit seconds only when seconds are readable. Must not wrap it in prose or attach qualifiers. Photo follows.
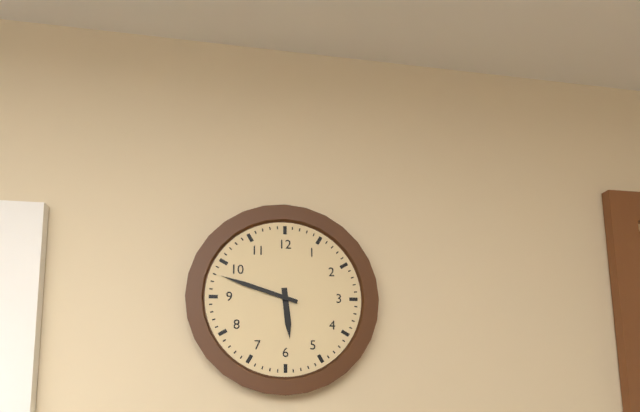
5.48
